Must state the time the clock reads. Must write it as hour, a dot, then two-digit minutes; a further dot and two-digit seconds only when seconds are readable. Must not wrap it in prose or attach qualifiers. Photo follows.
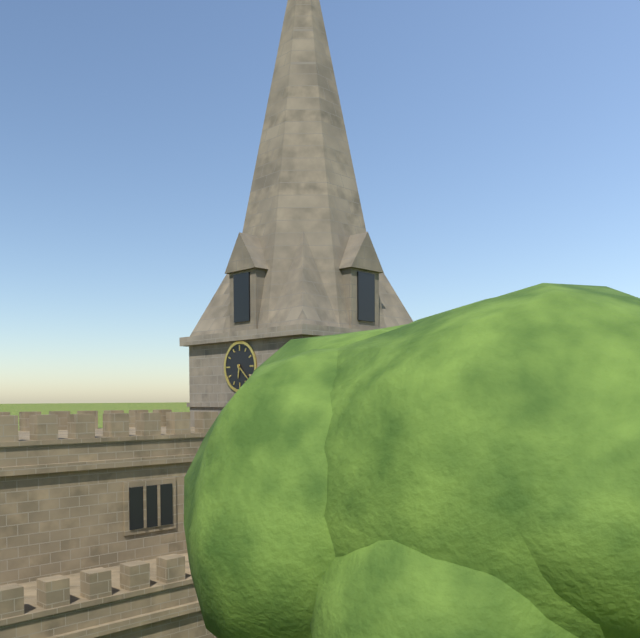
6.22
